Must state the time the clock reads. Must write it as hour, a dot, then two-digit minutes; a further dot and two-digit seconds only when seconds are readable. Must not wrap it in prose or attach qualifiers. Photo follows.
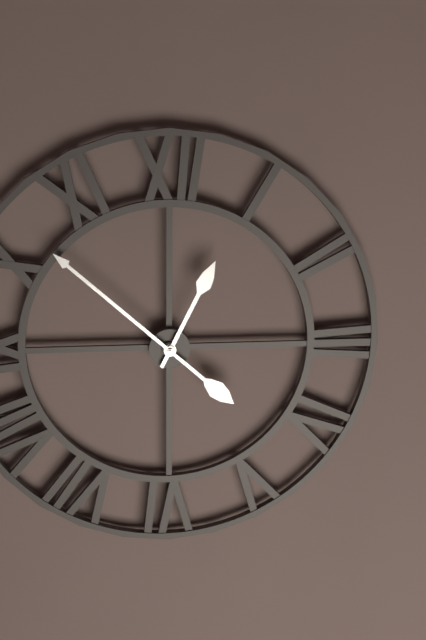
12.52
